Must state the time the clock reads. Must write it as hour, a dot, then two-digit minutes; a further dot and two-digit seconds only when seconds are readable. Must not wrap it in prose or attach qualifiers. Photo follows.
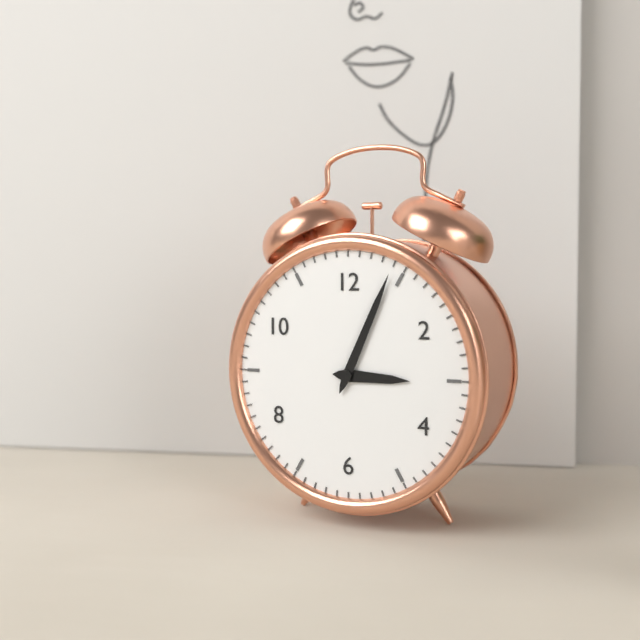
3.04
